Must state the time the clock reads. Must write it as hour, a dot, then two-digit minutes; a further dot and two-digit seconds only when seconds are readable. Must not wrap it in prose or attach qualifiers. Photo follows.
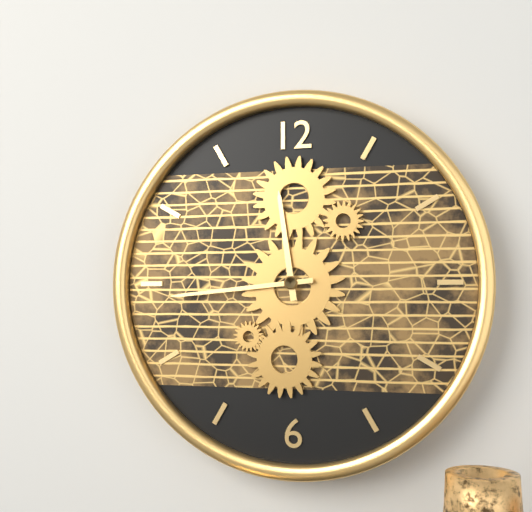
11.44
